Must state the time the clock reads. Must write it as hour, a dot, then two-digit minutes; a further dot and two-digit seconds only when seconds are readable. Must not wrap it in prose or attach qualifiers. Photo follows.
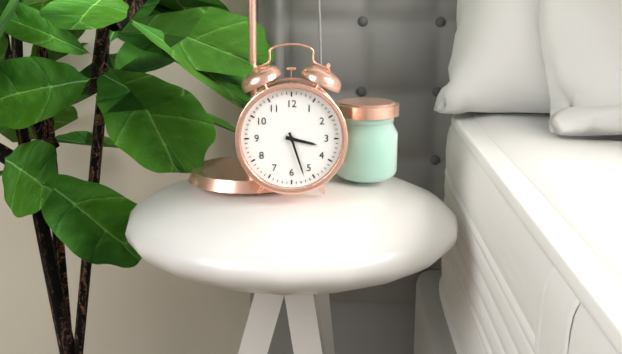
3.27
